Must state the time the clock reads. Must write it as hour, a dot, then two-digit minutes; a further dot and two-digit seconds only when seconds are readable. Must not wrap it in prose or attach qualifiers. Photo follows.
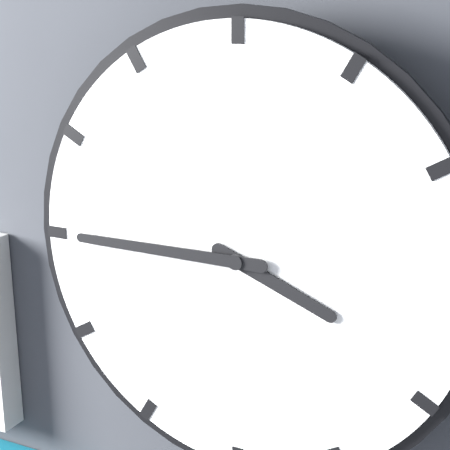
3.45
